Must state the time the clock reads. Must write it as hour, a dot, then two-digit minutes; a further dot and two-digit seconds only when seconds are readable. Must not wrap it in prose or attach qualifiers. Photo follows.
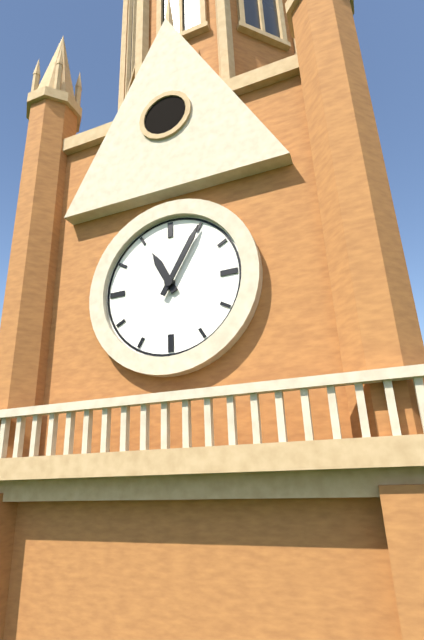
11.05
